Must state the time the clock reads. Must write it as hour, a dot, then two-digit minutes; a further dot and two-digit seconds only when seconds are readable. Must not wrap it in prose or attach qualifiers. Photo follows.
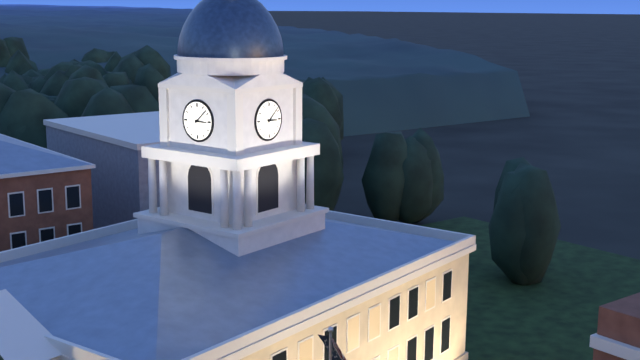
3.08
